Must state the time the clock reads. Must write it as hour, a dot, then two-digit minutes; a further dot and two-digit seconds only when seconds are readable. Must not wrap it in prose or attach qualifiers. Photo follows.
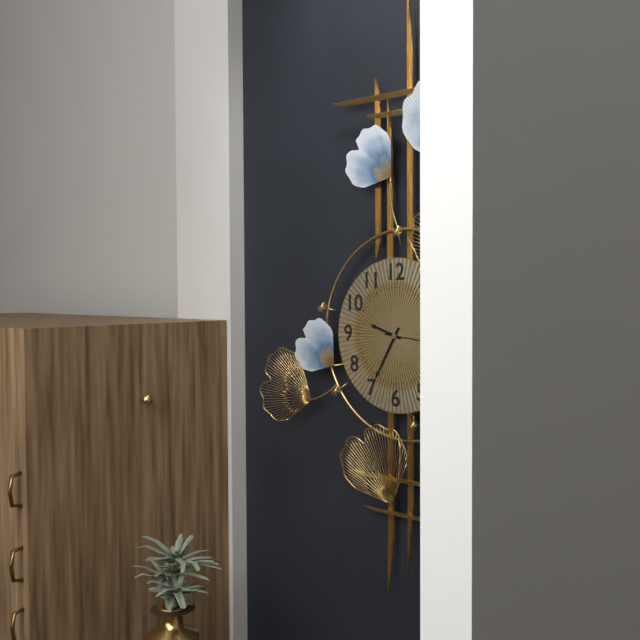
9.35
